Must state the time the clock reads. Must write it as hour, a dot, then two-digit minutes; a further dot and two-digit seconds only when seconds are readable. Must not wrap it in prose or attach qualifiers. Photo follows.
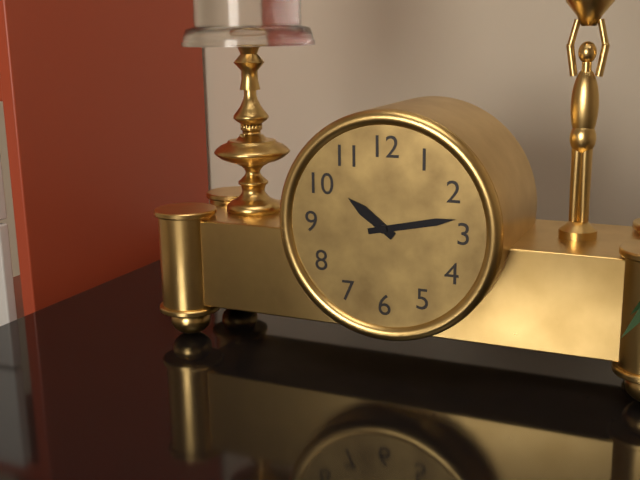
10.13
